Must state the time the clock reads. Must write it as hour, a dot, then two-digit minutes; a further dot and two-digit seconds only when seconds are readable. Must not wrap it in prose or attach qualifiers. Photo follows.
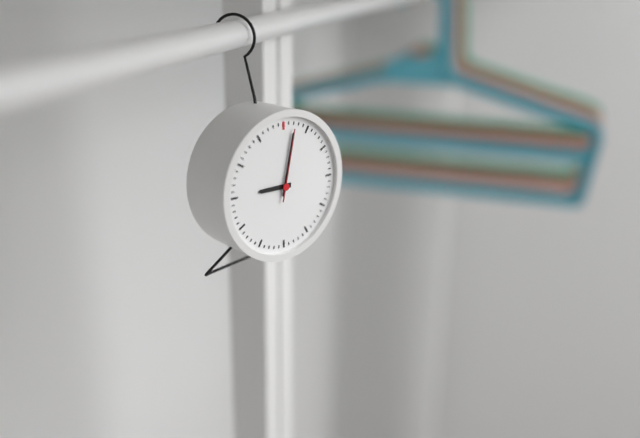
9.02.02
